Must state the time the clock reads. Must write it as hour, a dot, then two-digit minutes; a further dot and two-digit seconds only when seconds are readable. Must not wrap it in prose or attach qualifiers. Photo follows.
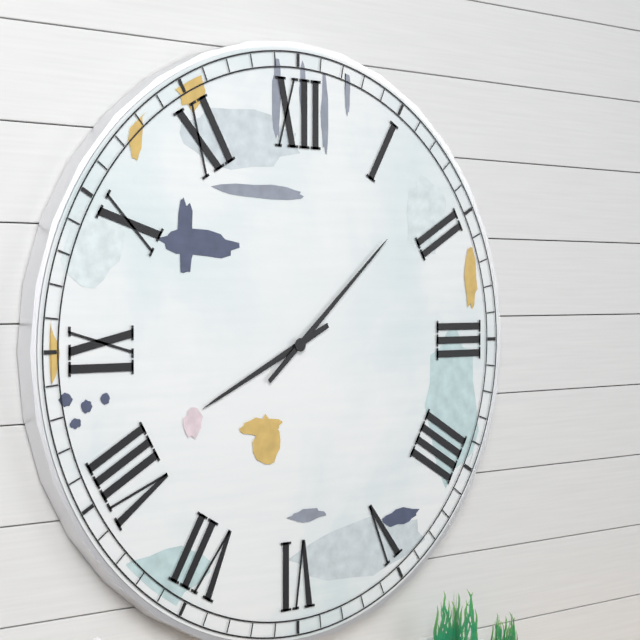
8.08
